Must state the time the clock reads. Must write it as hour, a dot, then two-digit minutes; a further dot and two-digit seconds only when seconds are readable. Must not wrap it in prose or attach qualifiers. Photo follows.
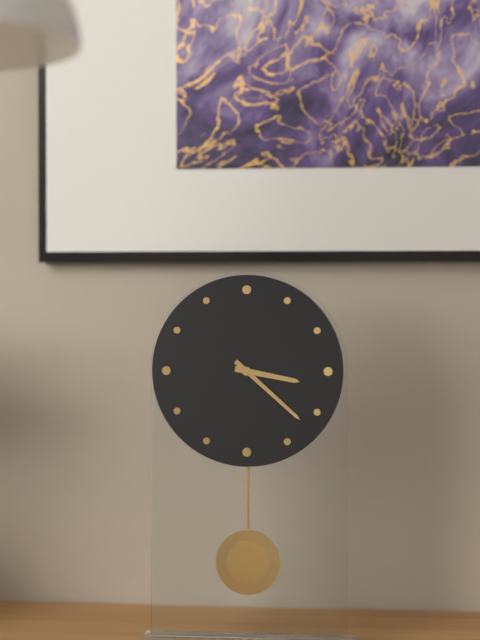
3.22
